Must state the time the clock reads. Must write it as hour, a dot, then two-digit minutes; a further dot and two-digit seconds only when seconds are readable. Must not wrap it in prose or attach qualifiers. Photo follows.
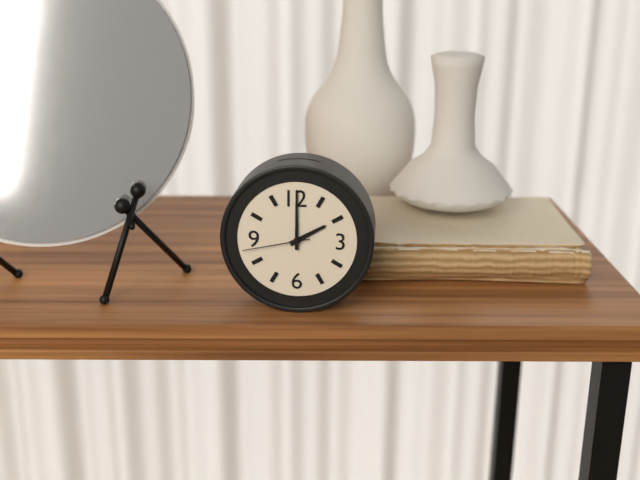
2.00.43
